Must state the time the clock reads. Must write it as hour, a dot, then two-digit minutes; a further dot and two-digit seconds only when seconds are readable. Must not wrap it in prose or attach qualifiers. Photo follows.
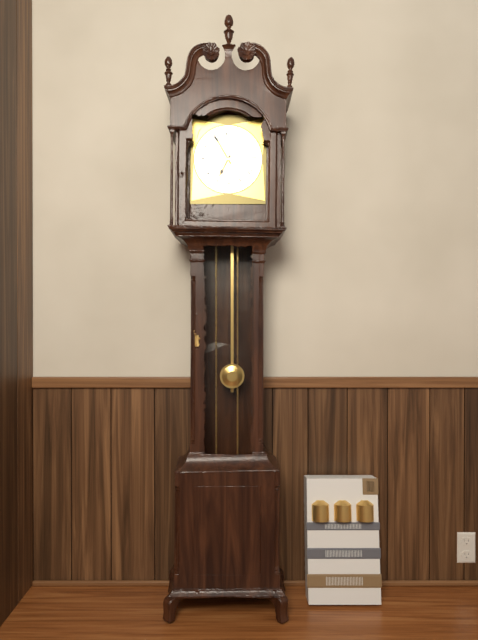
6.55
